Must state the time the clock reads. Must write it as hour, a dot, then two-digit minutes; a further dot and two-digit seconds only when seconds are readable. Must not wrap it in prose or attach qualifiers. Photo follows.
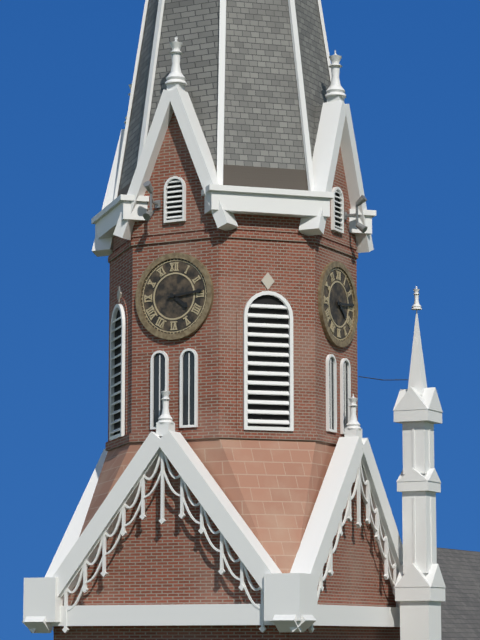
4.14
